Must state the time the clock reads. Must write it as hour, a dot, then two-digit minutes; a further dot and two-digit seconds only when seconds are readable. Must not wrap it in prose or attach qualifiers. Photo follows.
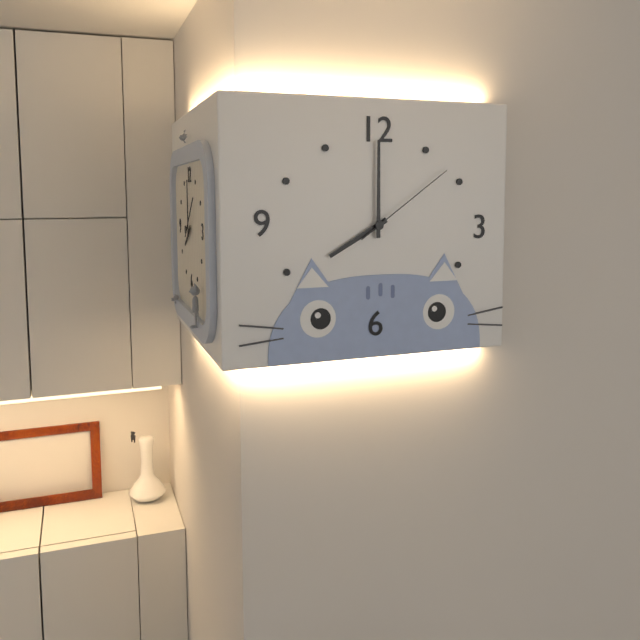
8.00.09
